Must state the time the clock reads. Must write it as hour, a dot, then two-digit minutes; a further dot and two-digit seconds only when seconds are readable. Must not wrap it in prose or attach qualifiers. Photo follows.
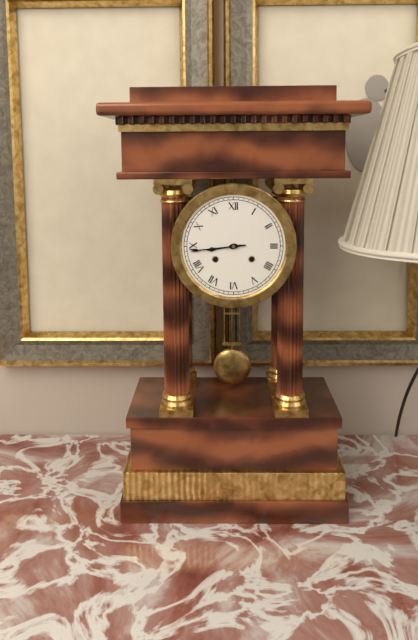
8.44
